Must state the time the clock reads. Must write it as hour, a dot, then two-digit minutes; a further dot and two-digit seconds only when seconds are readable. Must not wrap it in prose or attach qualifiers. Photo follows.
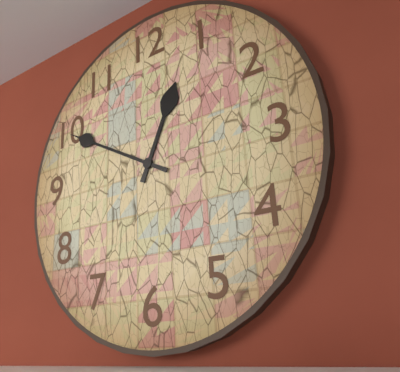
12.50
